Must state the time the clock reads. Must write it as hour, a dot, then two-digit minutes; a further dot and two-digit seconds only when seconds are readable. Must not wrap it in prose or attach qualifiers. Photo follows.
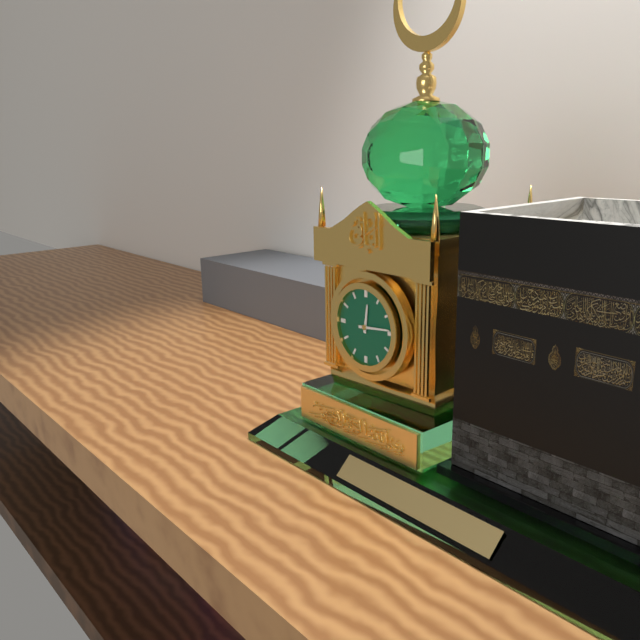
12.14
